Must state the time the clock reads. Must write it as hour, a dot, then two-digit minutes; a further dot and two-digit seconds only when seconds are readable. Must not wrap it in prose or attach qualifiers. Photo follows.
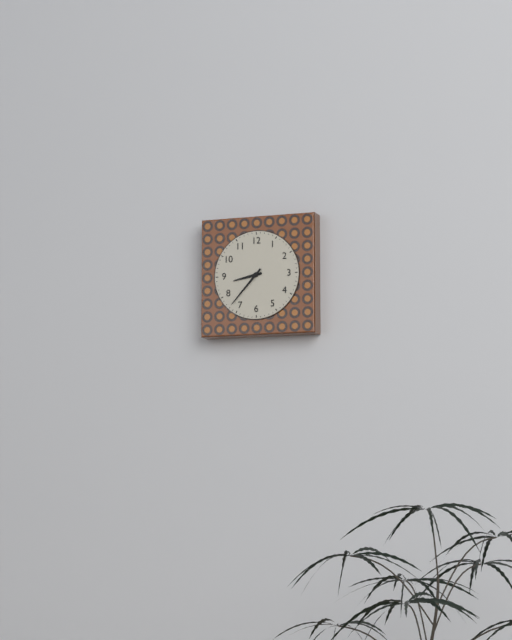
8.37
